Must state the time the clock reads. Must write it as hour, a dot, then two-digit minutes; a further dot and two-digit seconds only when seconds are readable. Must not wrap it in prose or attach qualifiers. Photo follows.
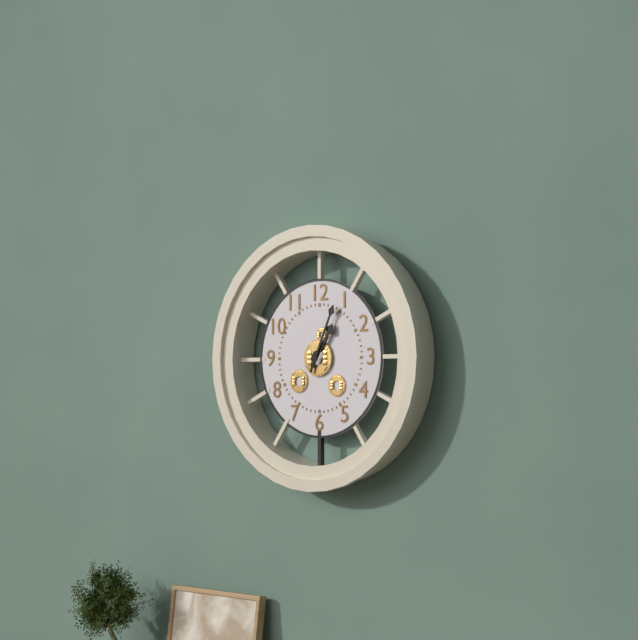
1.04
